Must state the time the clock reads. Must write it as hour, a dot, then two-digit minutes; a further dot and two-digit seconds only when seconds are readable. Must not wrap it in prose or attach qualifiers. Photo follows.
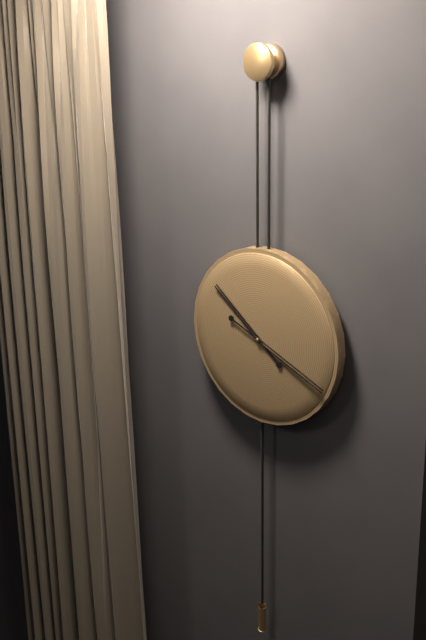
10.19
